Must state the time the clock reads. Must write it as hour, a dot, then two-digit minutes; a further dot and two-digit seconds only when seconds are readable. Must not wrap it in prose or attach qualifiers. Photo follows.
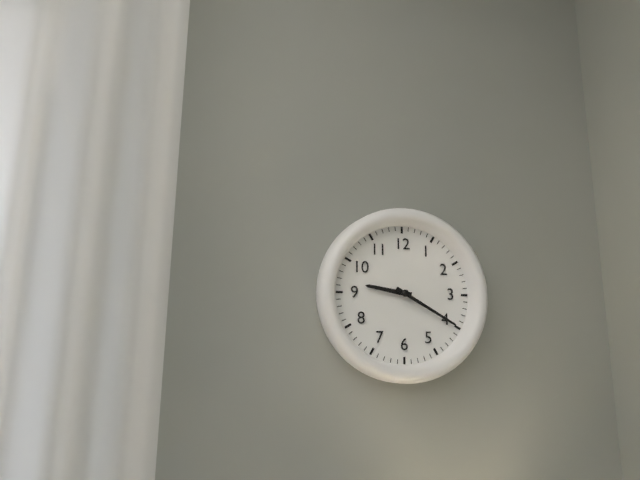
9.20
